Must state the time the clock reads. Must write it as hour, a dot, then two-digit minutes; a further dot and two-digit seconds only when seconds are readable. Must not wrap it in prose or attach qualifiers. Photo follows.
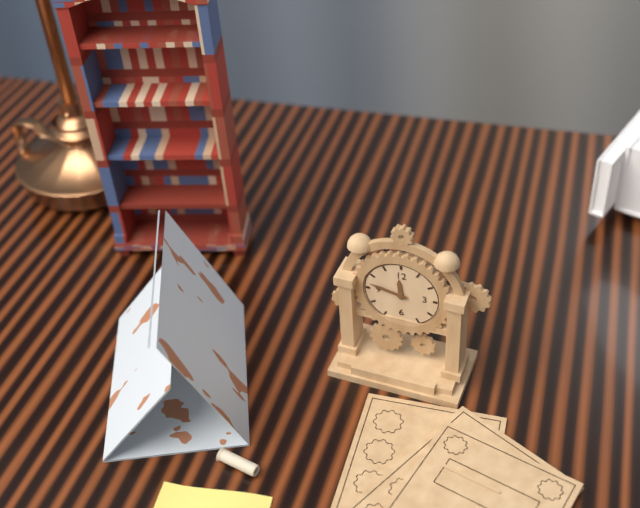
11.47
